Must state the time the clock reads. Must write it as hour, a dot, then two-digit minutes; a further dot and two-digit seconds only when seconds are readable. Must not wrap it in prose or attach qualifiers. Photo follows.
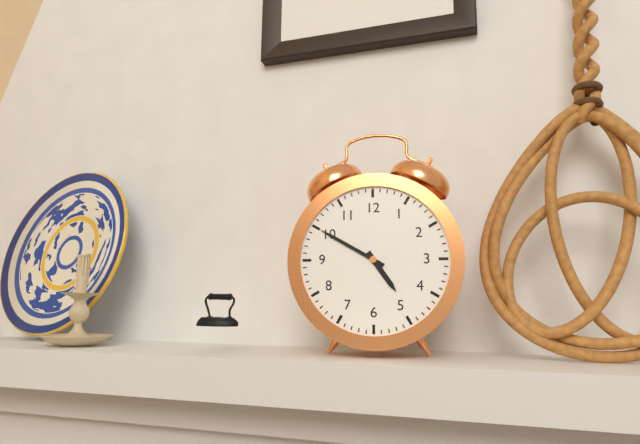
4.50
